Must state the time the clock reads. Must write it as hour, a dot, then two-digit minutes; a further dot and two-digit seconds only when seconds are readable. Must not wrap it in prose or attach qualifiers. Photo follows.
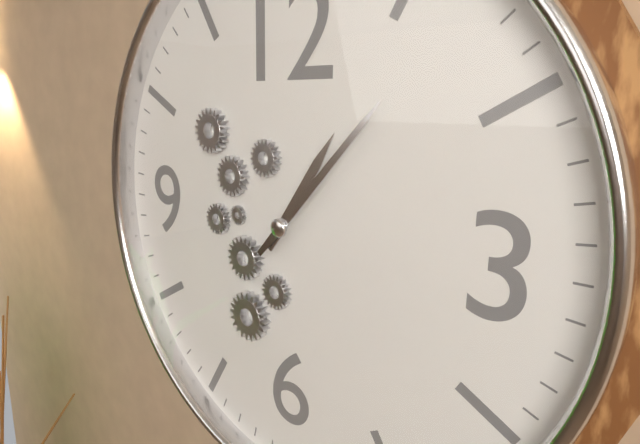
1.07
